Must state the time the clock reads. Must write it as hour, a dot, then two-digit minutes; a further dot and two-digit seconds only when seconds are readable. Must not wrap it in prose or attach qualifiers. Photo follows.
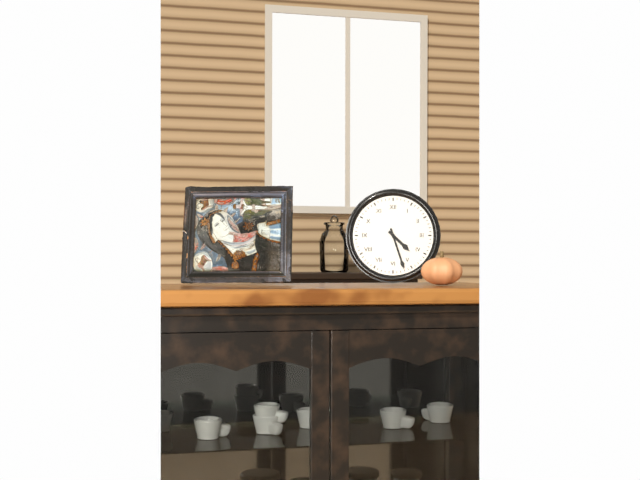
4.27
